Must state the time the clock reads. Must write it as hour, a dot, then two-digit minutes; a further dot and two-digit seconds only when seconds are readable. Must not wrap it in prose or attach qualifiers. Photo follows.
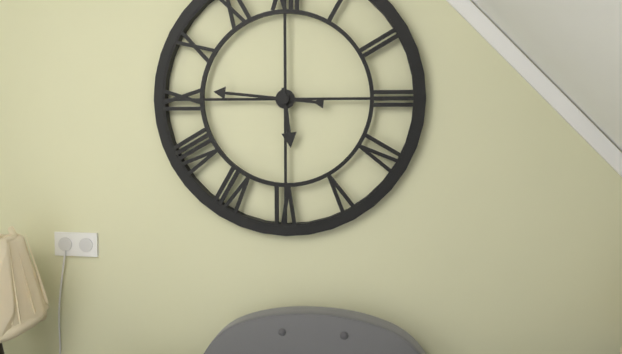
5.46
